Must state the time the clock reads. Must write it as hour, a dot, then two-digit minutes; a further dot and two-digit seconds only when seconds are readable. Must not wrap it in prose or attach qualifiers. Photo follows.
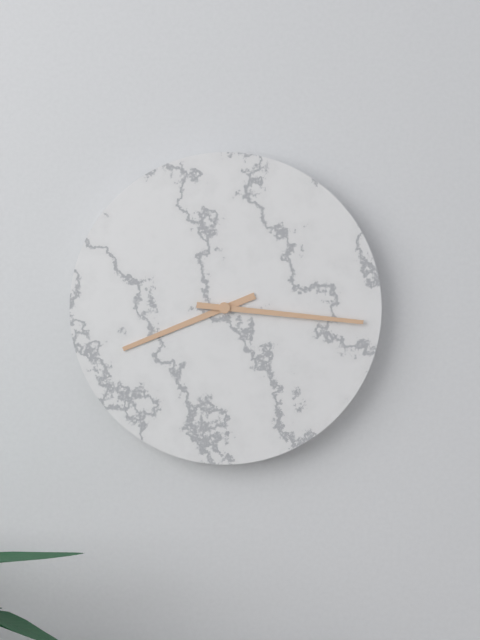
8.16
